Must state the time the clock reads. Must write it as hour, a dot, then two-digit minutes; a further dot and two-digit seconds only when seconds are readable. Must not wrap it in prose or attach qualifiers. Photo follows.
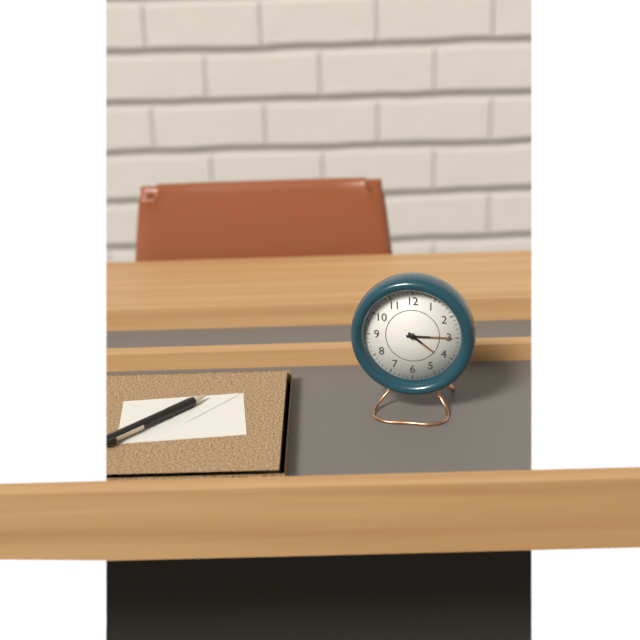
4.15
